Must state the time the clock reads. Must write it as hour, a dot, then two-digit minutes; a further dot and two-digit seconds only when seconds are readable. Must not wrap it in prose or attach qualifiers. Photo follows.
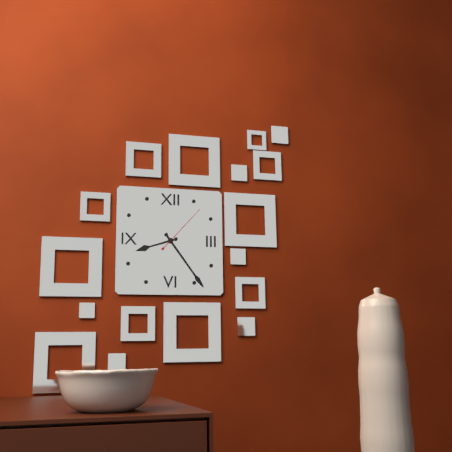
8.24.07
